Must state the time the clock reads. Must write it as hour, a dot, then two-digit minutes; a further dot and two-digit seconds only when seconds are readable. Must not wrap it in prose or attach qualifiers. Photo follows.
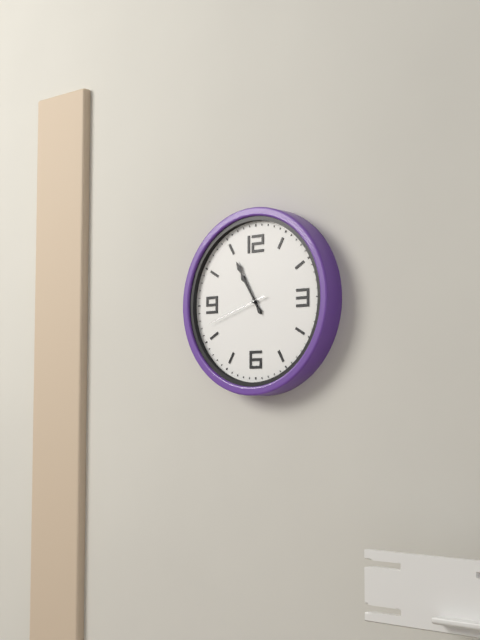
10.55.42
